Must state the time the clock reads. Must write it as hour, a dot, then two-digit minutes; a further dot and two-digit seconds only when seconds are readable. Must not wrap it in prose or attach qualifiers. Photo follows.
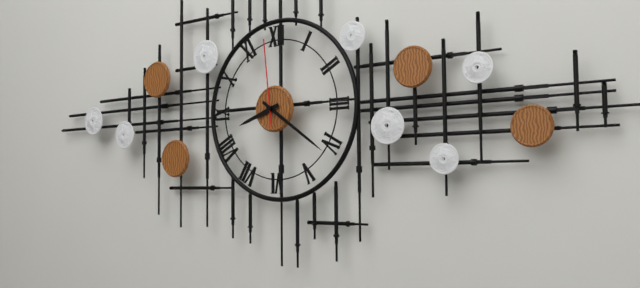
8.21.59
